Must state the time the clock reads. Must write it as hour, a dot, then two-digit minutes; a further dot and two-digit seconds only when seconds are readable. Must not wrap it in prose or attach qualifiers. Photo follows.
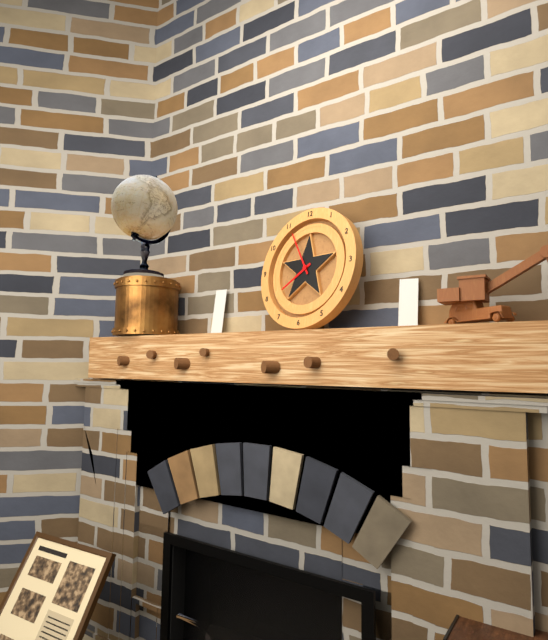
7.55
